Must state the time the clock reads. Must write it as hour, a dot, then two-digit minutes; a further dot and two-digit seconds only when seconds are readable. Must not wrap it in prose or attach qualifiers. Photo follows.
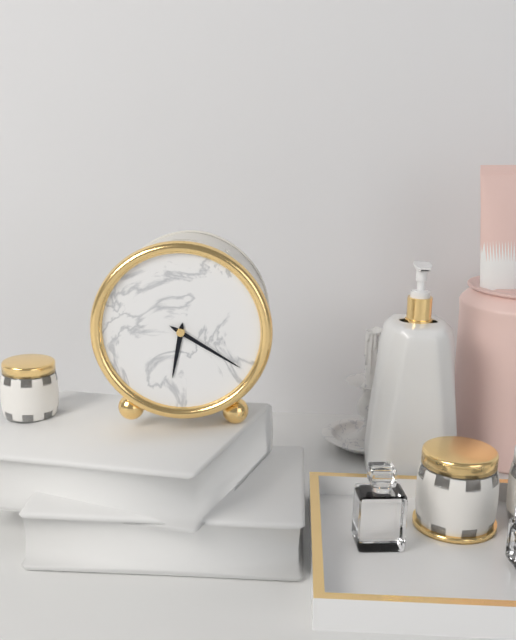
6.20
